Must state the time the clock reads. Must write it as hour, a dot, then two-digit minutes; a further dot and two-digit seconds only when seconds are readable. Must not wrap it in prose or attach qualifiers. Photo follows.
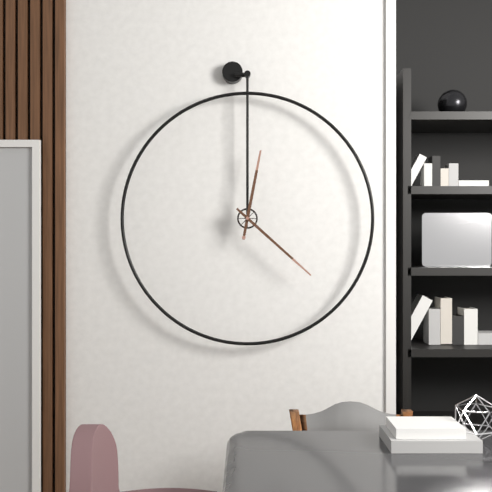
12.22
